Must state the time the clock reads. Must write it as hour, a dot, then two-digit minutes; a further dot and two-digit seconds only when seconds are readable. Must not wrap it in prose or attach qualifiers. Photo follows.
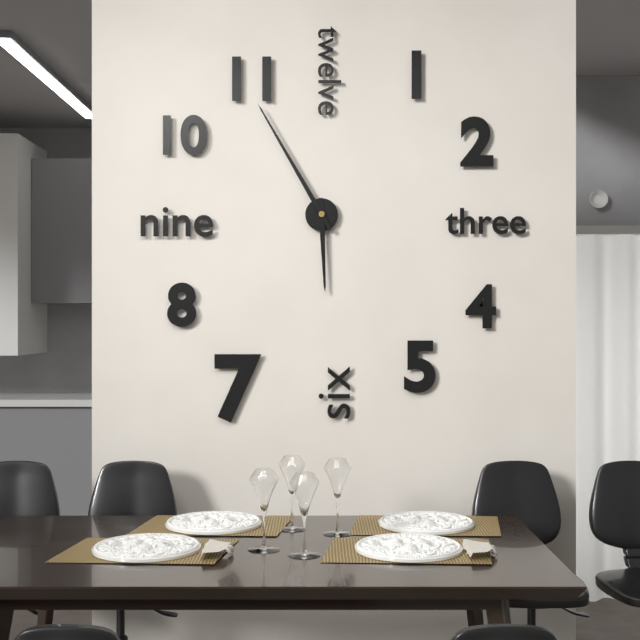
5.55
